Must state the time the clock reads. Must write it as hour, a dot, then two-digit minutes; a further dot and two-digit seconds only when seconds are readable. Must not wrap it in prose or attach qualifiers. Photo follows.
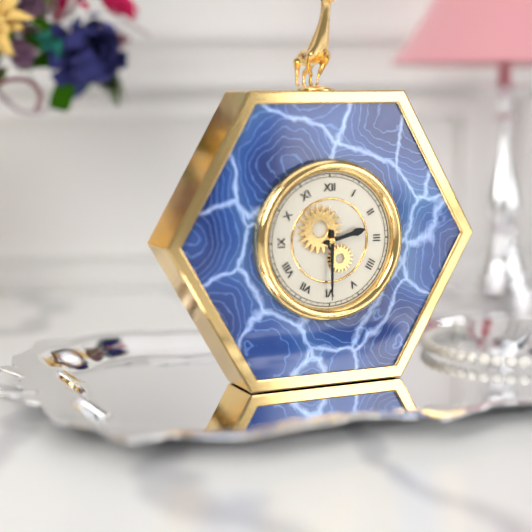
2.30
